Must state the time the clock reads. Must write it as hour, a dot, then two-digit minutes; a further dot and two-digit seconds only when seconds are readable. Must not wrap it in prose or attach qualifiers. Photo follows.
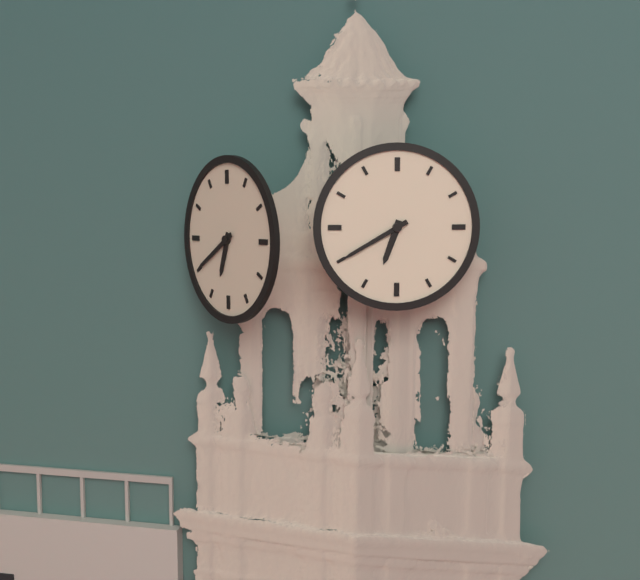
6.40
